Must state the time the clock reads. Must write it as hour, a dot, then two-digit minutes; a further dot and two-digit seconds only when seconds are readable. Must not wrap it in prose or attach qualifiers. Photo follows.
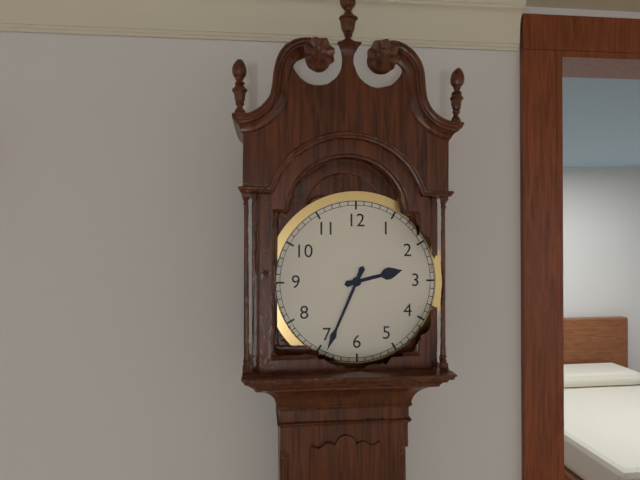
2.34
